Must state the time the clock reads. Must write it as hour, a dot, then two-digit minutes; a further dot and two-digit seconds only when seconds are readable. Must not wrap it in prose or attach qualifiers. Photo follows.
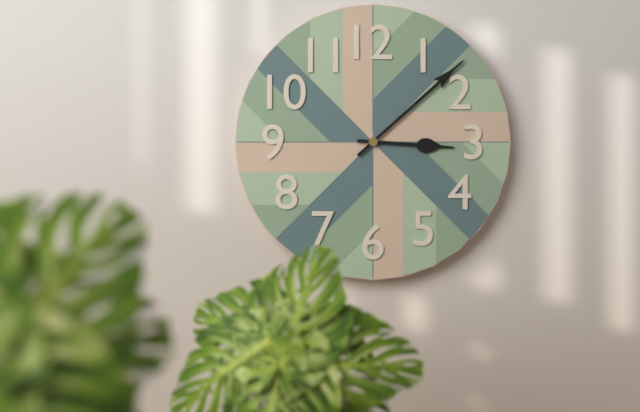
3.08
